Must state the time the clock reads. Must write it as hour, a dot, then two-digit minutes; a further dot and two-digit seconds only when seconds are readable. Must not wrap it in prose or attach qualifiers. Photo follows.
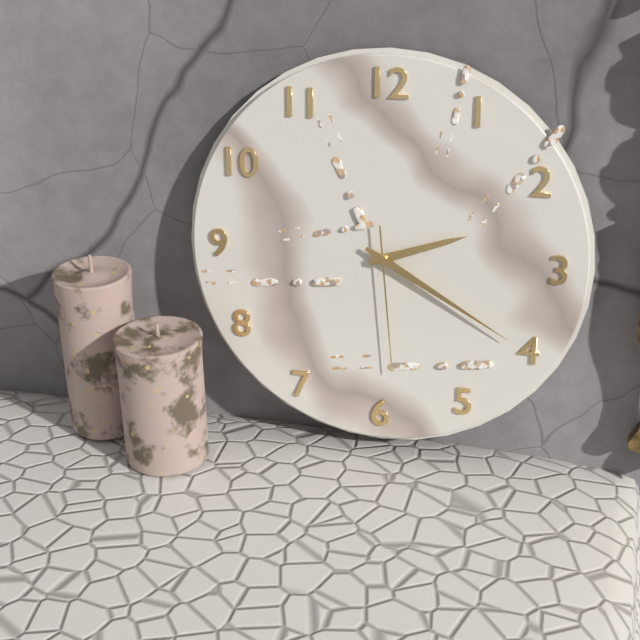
2.20.29
